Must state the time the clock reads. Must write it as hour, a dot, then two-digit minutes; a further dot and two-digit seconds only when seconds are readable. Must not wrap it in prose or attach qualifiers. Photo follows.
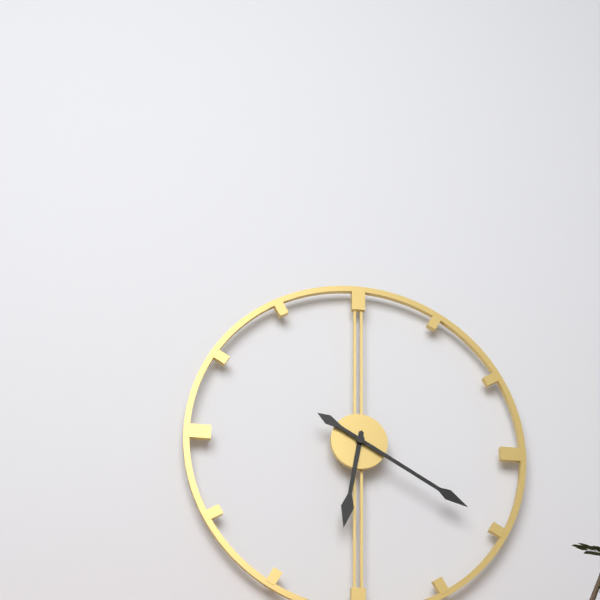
6.20
